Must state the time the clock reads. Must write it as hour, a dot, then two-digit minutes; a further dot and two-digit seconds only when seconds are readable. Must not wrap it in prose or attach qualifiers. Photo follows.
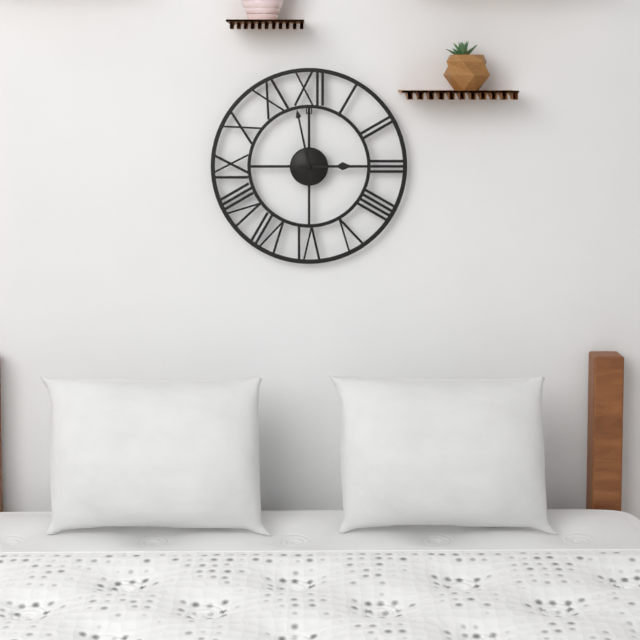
2.58
